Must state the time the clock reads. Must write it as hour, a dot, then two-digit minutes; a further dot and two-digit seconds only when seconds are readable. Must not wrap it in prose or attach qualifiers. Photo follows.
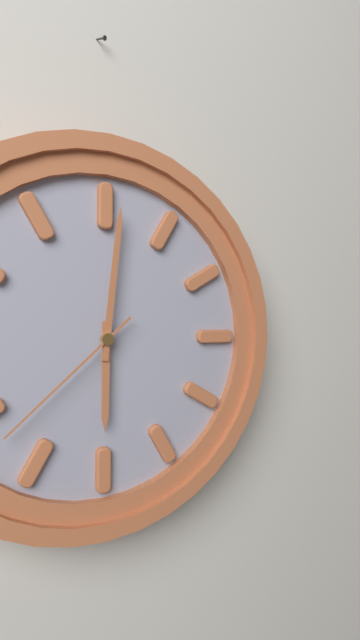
6.01.38
